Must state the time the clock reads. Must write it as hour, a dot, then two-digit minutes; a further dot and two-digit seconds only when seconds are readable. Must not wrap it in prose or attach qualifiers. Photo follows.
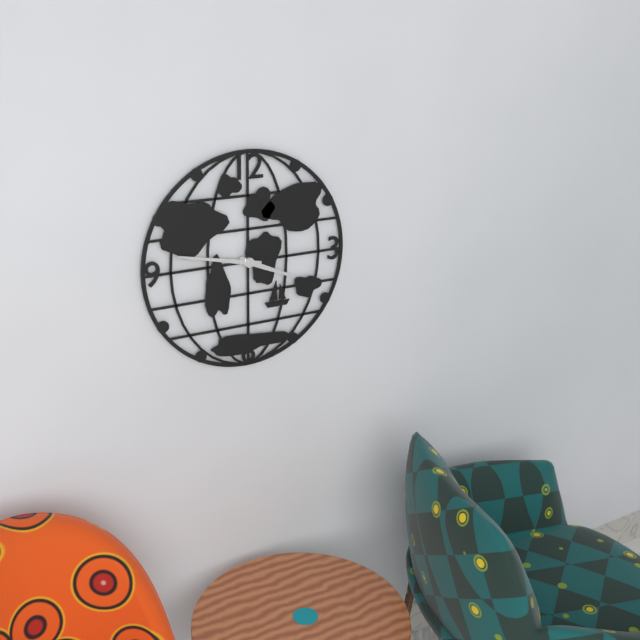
3.47
